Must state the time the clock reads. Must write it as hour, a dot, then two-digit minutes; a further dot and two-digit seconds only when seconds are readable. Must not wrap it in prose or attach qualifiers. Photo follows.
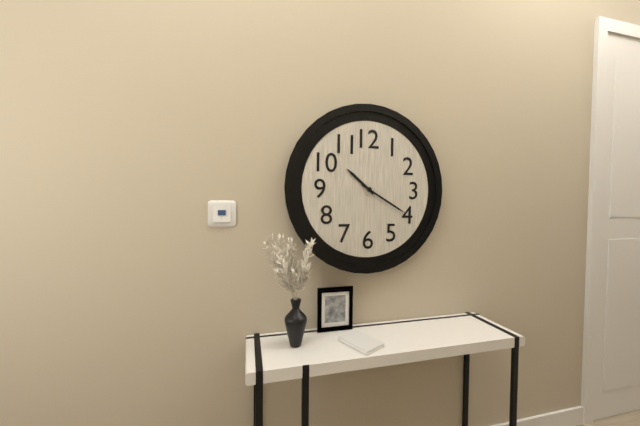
10.20
